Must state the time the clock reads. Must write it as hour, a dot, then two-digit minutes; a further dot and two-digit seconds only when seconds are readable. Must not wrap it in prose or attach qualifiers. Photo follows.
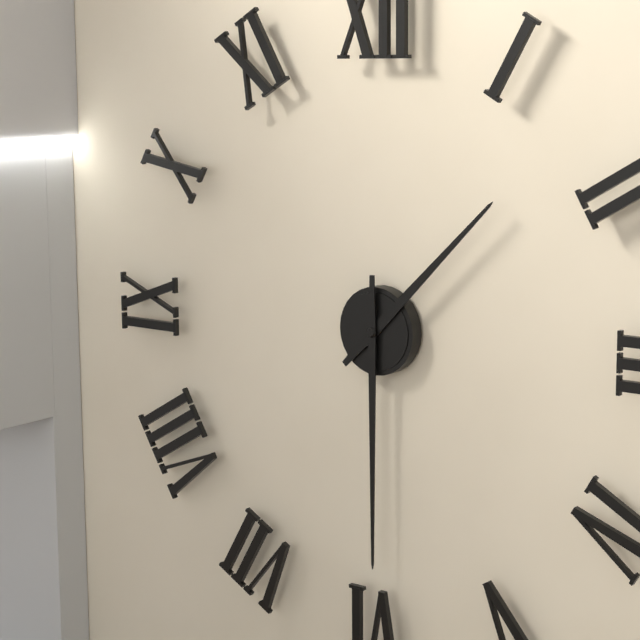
1.30
